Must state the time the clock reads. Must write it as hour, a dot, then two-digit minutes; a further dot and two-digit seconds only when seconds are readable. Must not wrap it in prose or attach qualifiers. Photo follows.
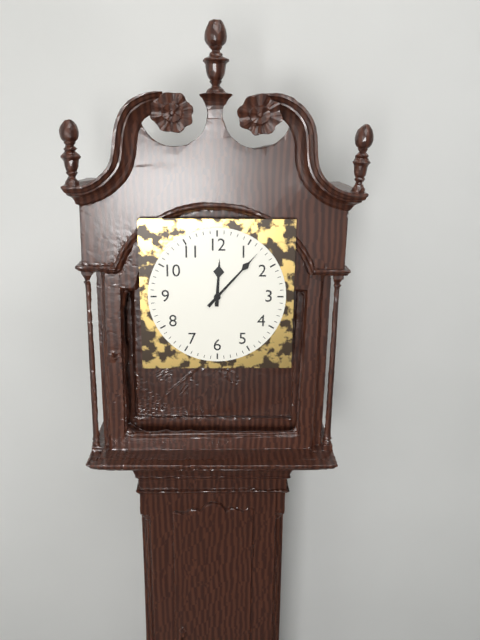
12.07
